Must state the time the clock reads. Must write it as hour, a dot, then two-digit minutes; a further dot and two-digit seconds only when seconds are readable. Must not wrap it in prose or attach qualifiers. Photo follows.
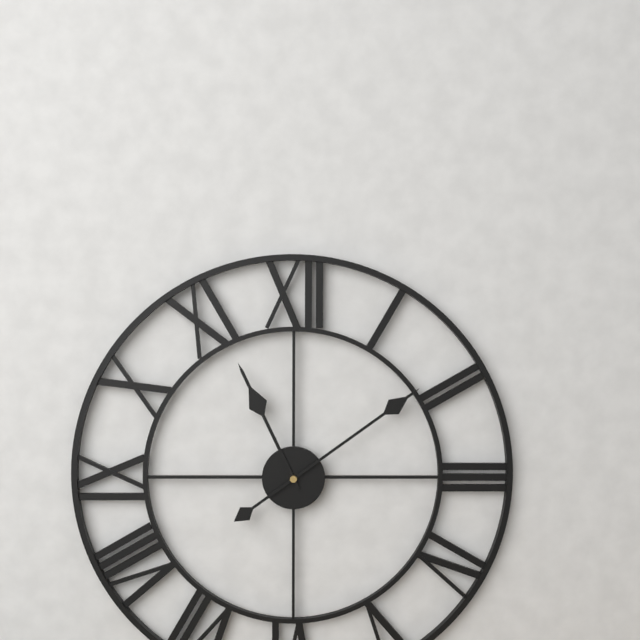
11.09
